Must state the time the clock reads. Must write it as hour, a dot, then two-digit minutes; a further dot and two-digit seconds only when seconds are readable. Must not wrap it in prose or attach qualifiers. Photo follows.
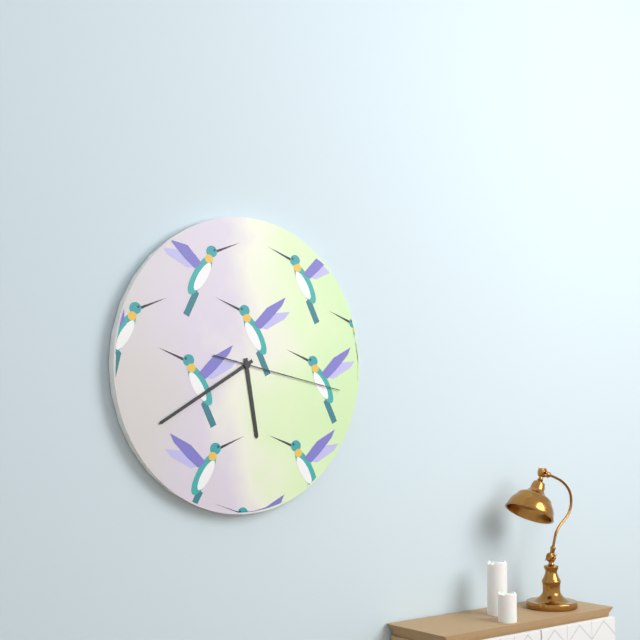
5.40.17
